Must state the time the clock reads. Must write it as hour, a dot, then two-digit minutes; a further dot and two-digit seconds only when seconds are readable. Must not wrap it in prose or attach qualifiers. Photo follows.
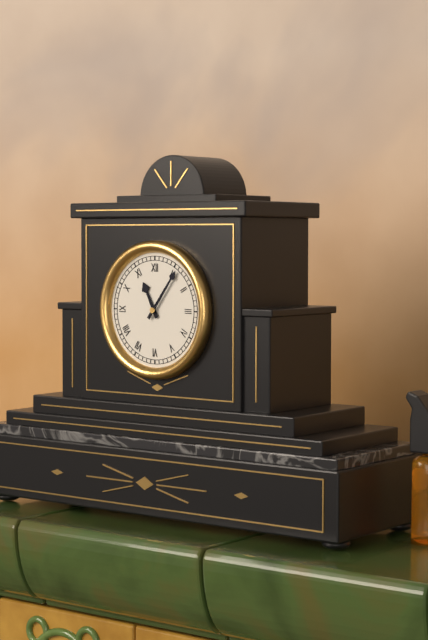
11.06
